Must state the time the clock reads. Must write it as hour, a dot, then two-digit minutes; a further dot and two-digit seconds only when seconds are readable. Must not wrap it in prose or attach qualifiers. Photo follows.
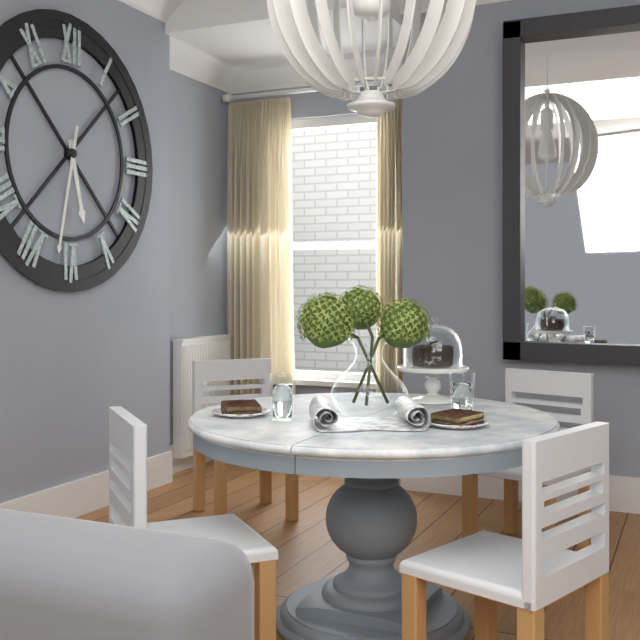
5.32
